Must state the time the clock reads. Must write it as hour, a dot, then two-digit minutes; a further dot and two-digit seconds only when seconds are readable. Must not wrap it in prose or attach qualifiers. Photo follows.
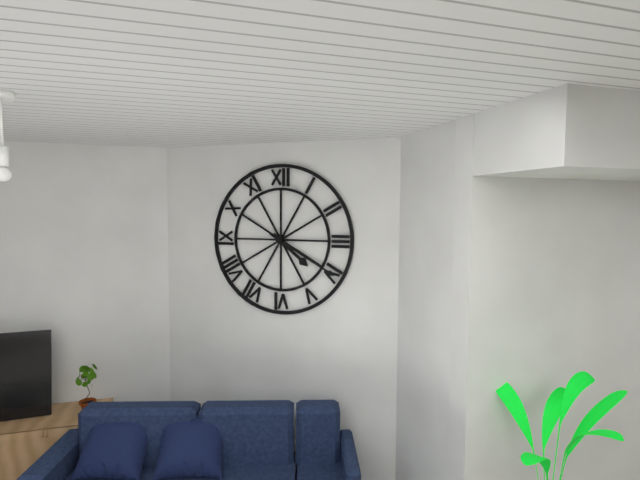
4.20
